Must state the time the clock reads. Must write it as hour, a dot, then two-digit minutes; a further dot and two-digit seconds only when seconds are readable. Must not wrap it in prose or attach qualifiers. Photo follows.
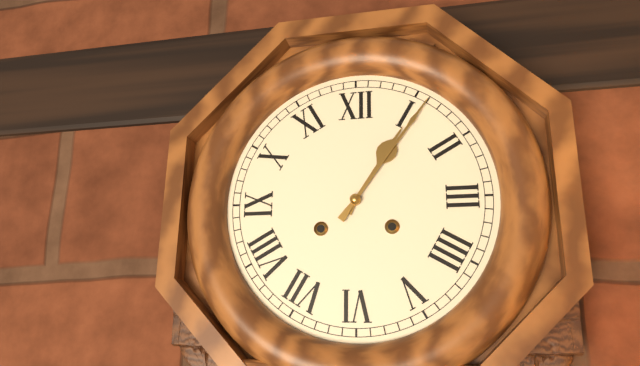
1.06
